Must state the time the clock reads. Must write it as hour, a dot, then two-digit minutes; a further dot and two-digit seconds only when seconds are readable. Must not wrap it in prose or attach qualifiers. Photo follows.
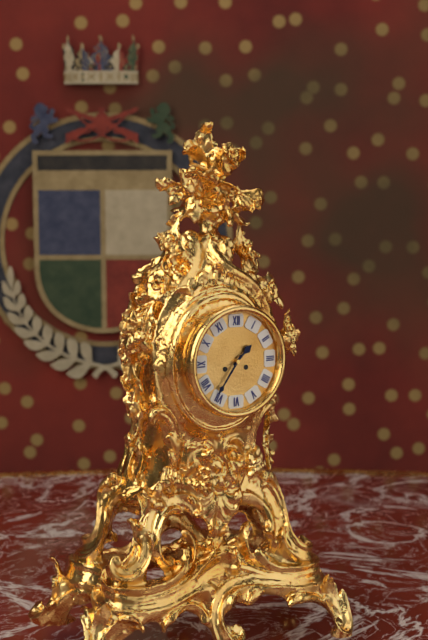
1.36
